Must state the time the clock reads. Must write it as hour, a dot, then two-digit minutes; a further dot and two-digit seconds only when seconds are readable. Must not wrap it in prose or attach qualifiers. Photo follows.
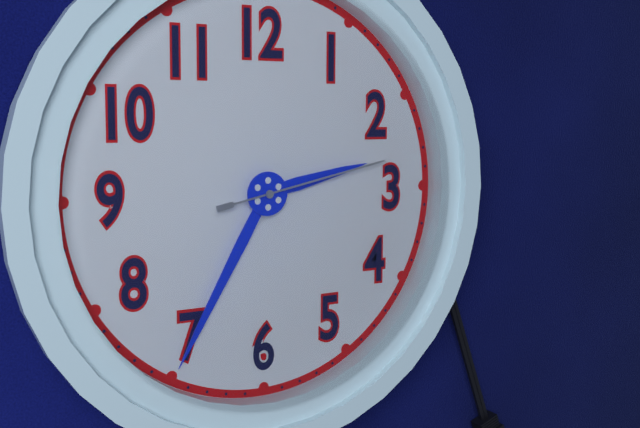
2.35.13
